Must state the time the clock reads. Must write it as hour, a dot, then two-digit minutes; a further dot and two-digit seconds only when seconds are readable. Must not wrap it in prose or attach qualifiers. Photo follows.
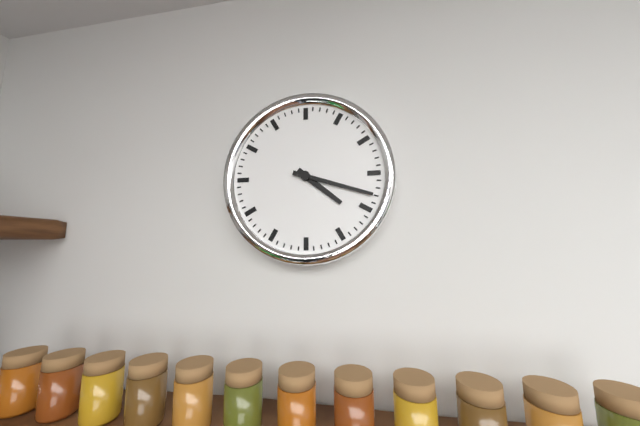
4.18
